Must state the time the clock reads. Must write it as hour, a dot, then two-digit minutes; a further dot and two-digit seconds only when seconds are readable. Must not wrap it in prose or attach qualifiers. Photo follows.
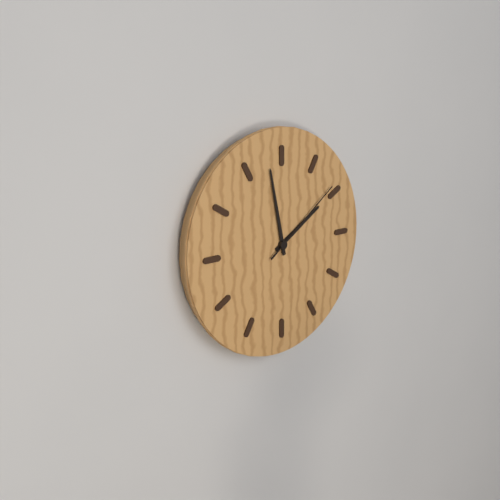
1.58.09
